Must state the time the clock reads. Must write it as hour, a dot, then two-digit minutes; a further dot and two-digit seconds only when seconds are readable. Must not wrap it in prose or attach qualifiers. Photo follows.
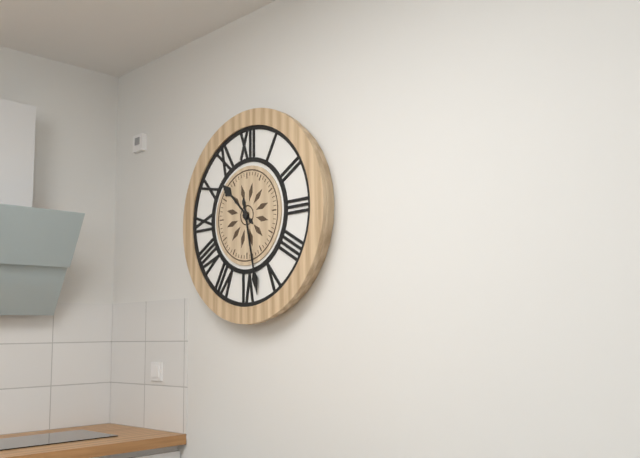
10.28
